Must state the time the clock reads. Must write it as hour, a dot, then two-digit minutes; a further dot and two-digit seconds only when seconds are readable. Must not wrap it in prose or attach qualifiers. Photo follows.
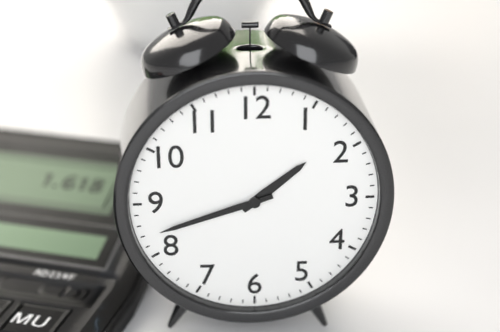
1.42
